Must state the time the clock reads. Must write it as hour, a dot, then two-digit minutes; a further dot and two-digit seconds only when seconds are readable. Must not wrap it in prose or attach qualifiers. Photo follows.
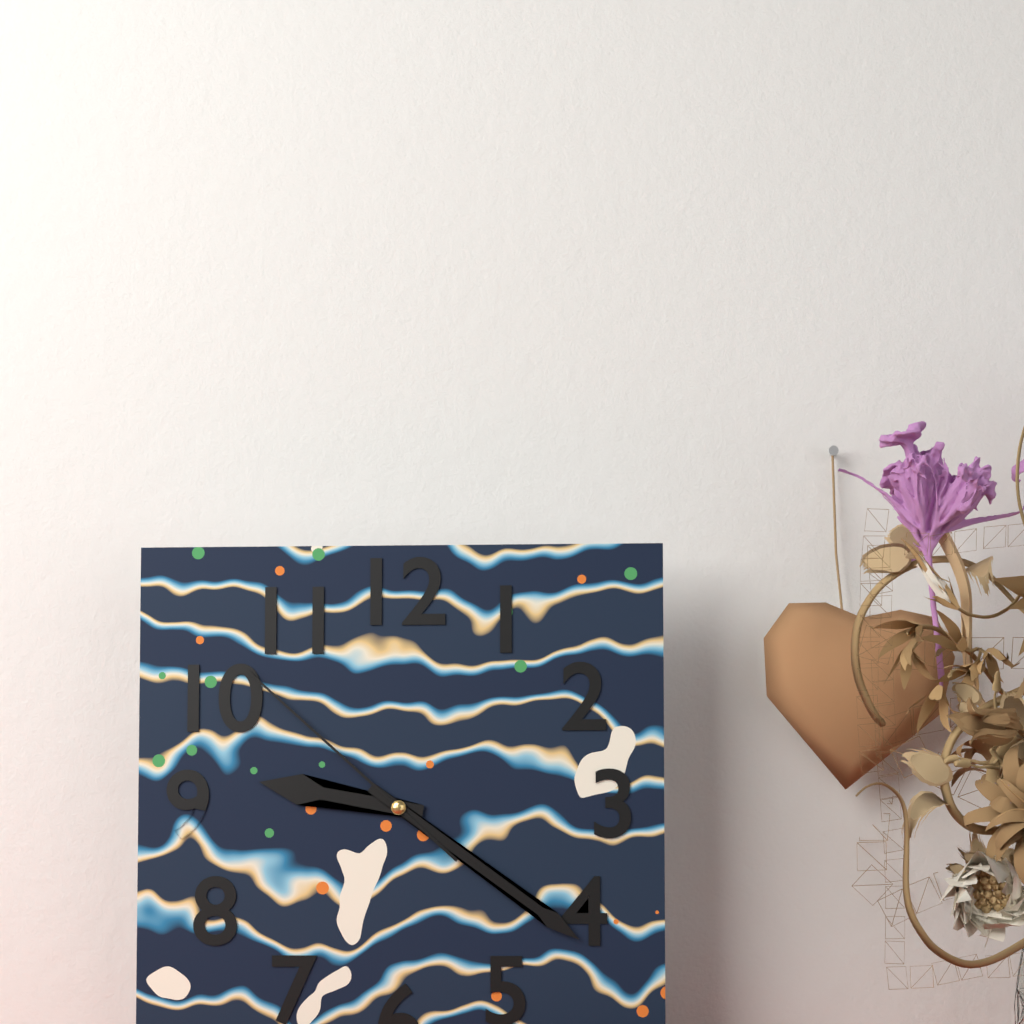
9.21.52
